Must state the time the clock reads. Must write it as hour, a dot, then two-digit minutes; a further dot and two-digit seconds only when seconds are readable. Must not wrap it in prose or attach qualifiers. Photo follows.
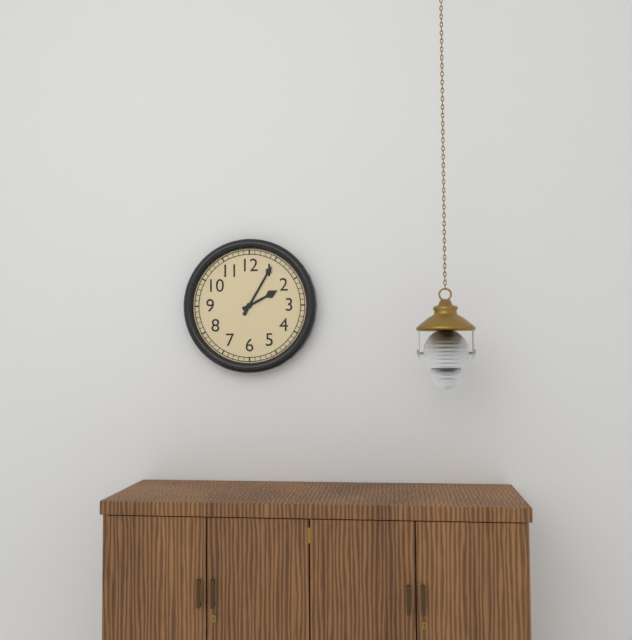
2.05
